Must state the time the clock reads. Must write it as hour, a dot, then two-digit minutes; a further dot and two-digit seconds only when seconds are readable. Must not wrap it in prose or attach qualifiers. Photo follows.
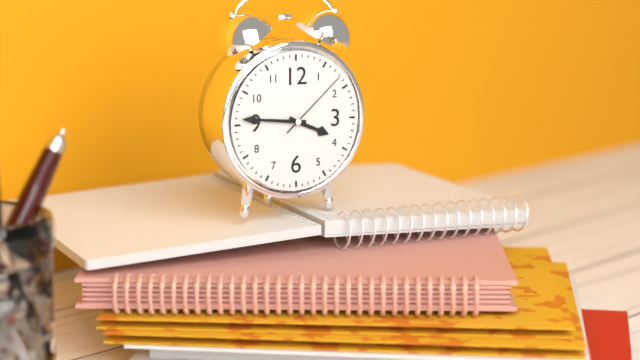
3.46.08
